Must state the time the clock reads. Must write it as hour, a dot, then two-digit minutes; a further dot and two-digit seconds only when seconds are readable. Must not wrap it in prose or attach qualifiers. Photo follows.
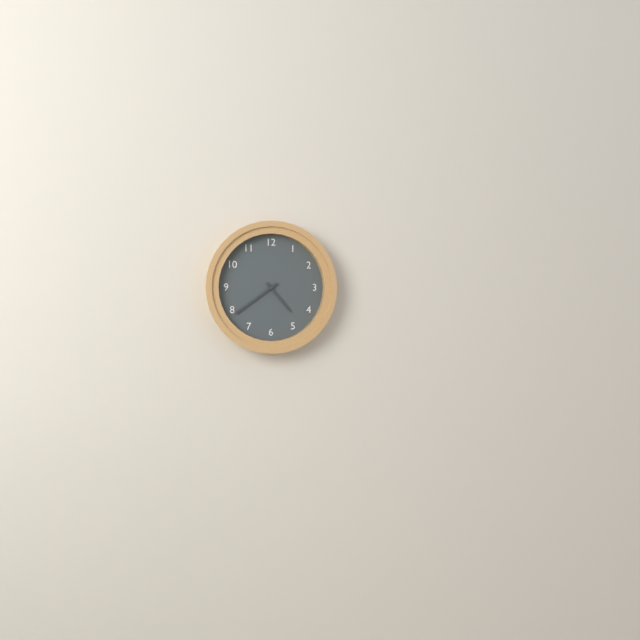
4.39
